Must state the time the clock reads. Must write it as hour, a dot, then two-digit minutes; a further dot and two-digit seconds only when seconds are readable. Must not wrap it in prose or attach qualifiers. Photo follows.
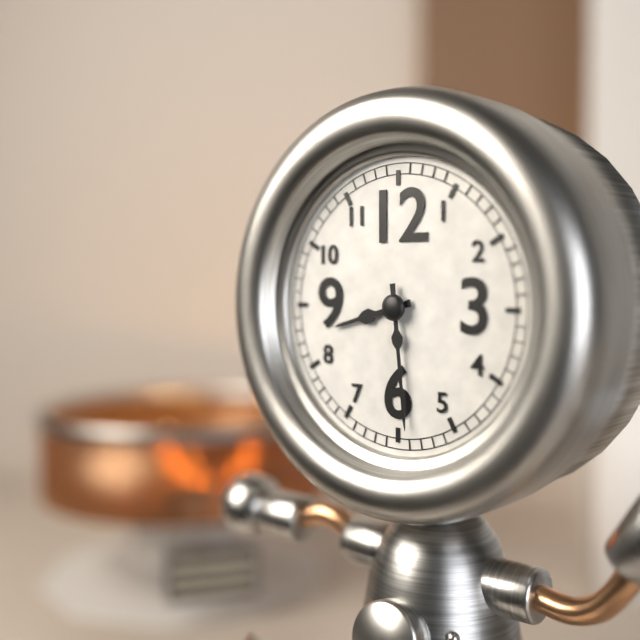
8.29
